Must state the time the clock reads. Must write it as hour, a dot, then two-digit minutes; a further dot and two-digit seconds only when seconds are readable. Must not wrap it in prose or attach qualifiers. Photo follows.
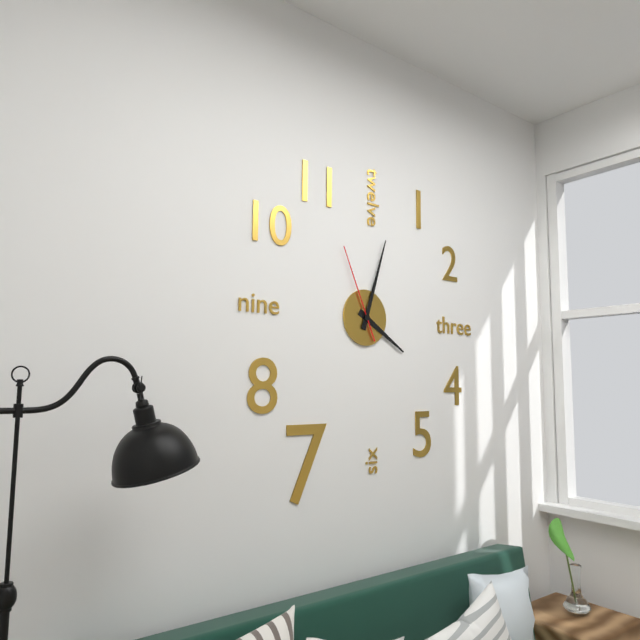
4.03.56
